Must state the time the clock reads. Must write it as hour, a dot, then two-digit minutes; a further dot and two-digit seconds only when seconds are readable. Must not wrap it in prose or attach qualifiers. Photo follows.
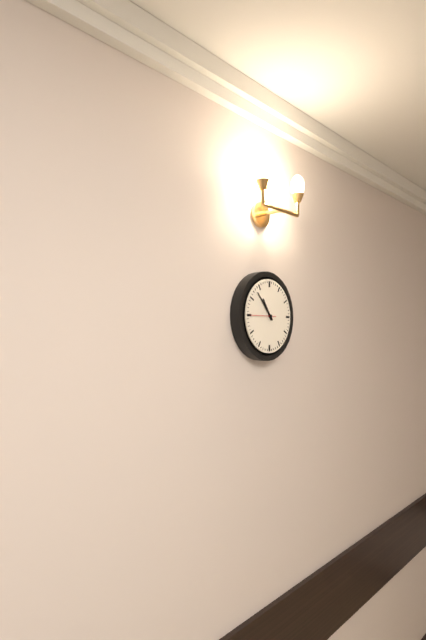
10.53
